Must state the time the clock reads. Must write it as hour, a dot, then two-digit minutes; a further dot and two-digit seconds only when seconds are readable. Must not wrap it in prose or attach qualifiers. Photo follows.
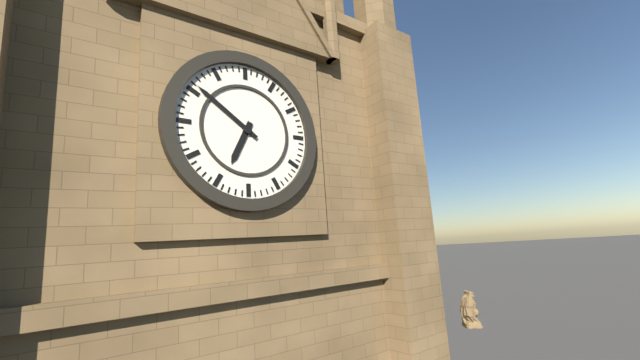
6.51
